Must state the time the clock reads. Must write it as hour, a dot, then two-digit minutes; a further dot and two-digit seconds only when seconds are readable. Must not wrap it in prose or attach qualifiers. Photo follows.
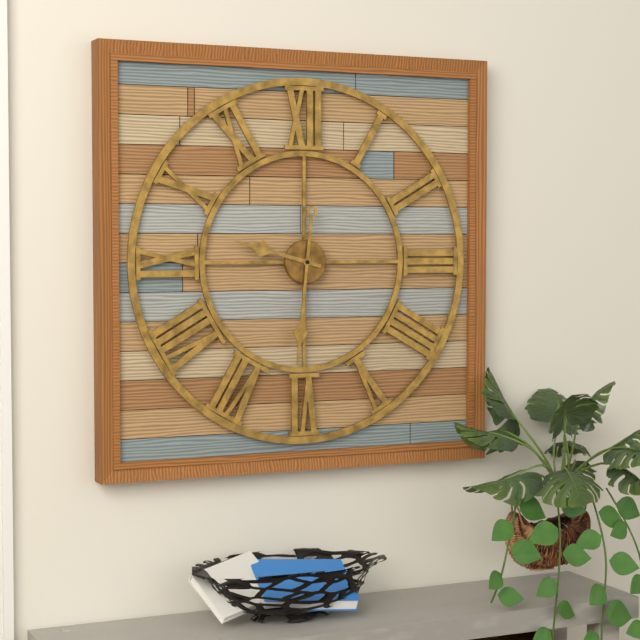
9.31
